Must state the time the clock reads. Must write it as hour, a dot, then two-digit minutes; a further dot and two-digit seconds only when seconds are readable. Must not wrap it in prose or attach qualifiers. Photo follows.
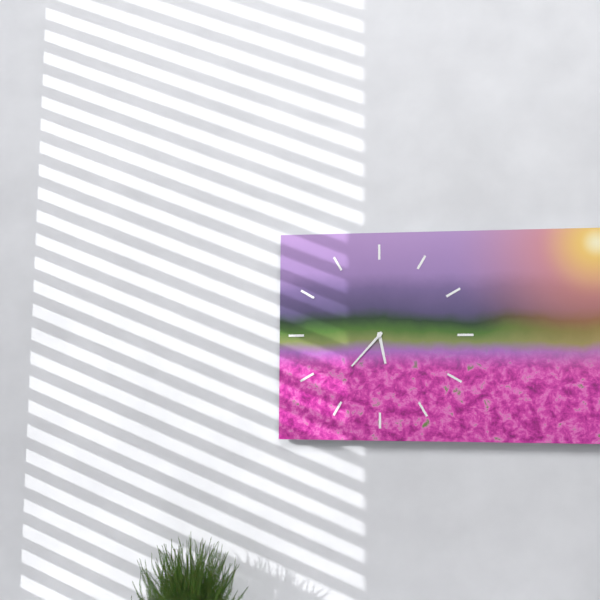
5.37
